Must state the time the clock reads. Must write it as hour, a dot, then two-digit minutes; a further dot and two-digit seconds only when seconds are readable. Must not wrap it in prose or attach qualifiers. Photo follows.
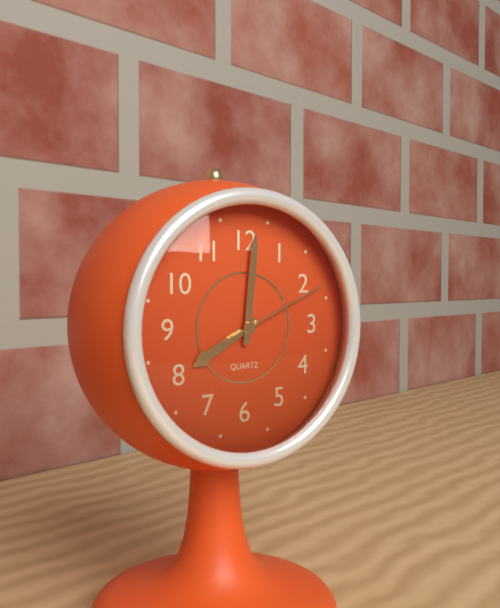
8.01.11
